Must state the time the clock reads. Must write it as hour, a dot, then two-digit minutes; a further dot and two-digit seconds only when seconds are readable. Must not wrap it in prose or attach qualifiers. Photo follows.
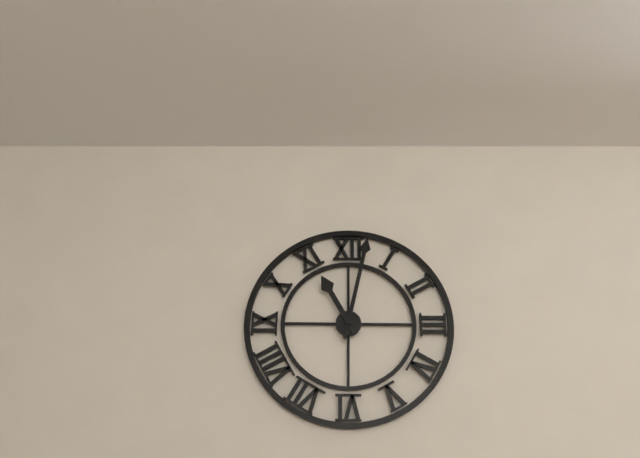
11.02
